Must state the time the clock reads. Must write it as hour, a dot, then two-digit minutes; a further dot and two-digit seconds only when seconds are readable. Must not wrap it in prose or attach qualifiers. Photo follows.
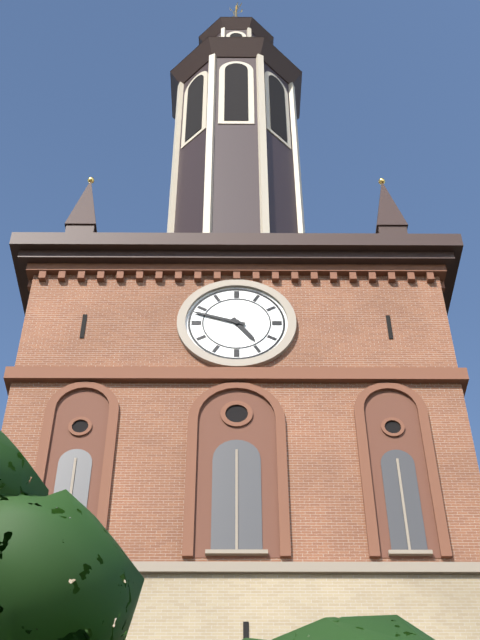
4.48
